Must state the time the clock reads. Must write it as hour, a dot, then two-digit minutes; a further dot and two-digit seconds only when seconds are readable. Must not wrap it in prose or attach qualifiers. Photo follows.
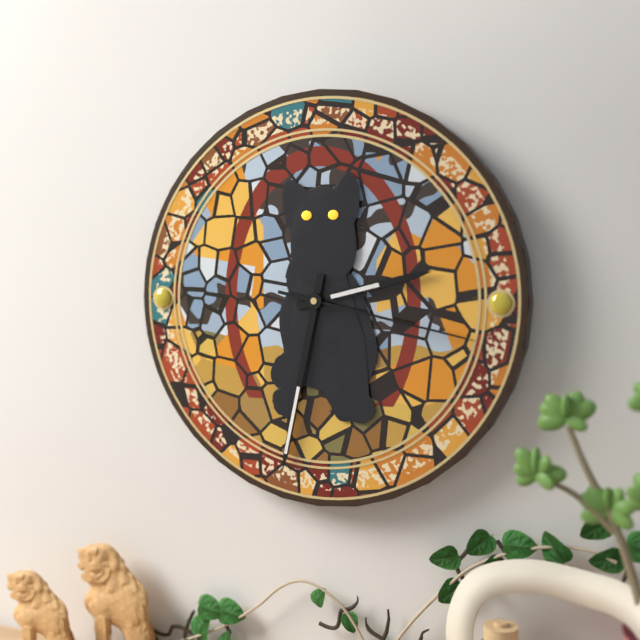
2.32.17
